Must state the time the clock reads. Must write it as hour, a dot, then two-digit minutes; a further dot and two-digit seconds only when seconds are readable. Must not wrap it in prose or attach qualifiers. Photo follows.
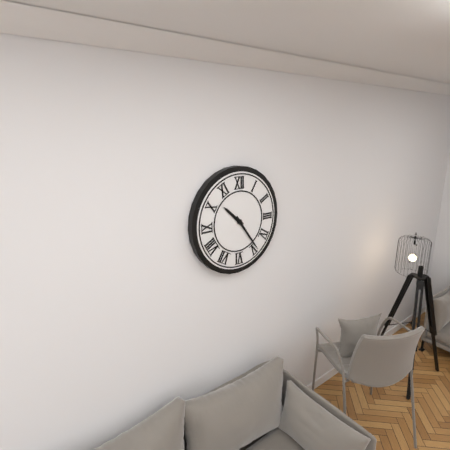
10.24
